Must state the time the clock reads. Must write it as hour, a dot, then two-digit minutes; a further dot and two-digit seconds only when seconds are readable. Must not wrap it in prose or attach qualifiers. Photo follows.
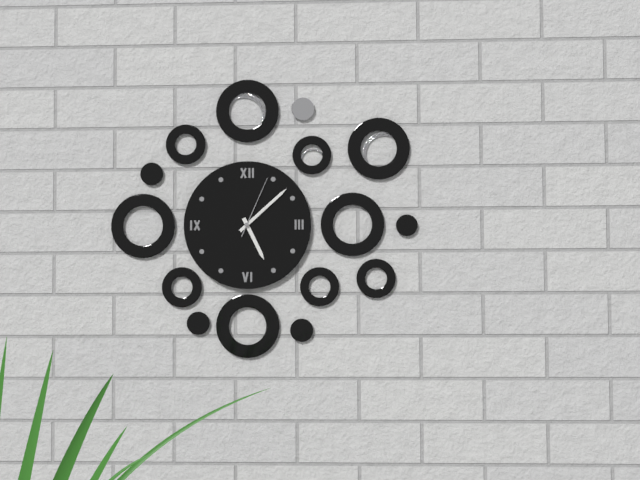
5.08.04
